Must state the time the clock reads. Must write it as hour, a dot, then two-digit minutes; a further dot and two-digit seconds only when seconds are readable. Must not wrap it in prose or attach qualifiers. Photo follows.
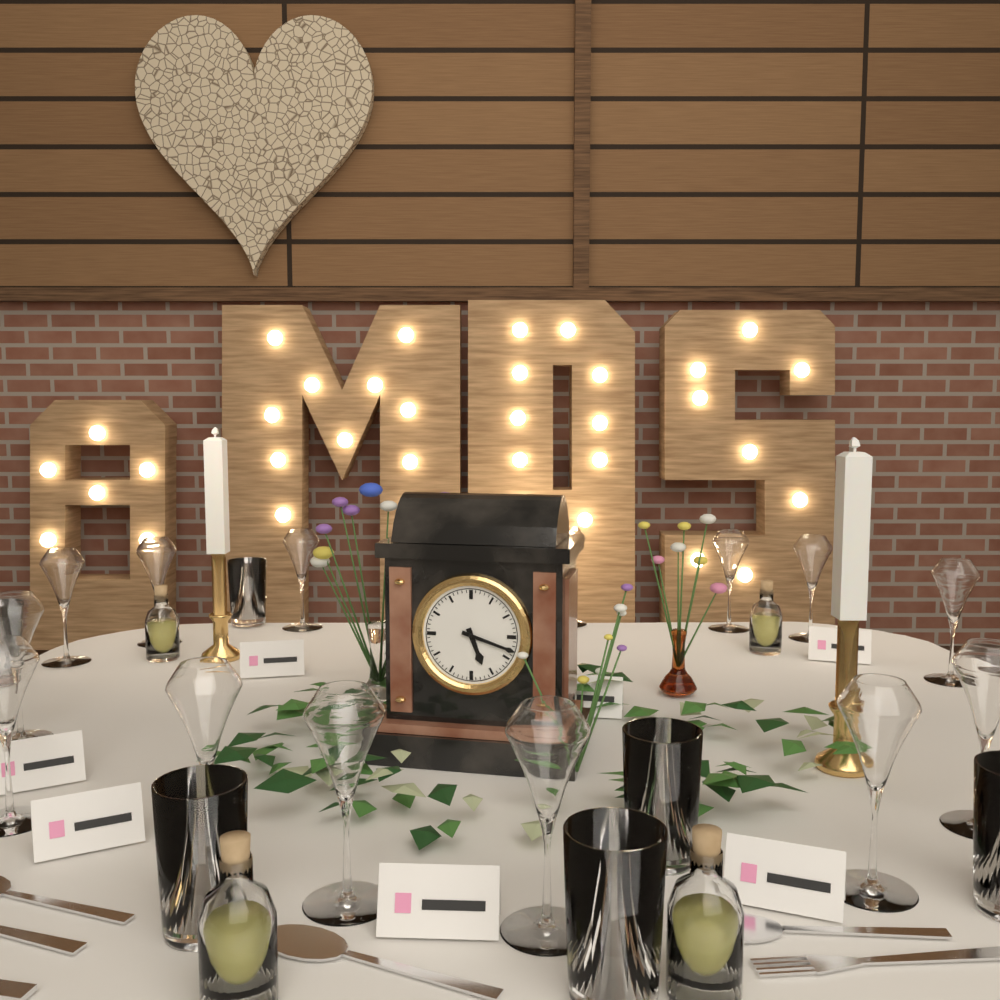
5.18
